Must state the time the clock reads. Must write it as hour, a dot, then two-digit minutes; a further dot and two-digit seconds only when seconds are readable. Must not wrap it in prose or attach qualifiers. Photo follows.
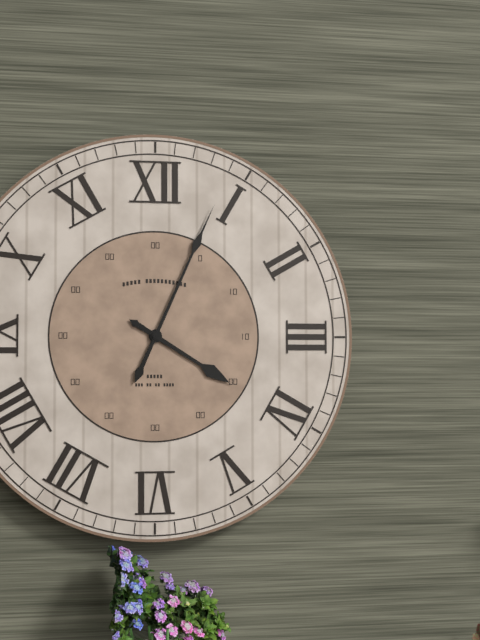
4.04
